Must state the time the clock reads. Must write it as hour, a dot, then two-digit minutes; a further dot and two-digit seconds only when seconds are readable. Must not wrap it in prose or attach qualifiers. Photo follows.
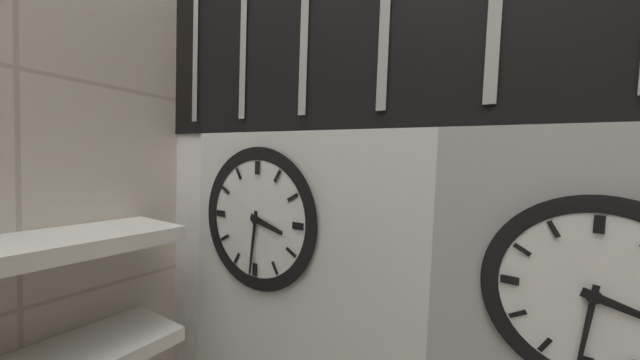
3.31
